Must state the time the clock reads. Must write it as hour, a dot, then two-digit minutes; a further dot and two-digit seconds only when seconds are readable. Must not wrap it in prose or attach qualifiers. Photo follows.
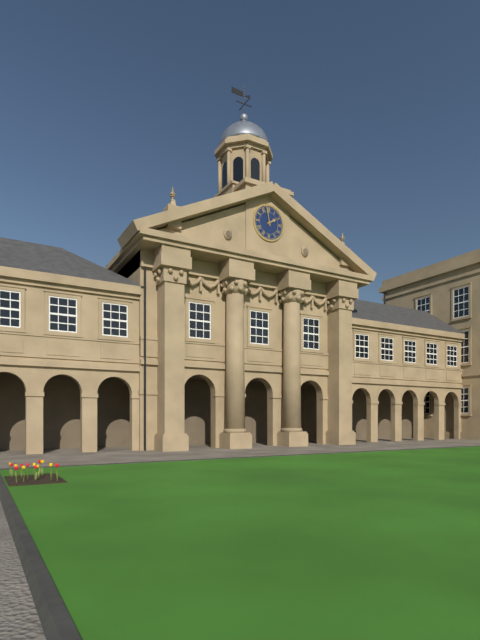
1.58
